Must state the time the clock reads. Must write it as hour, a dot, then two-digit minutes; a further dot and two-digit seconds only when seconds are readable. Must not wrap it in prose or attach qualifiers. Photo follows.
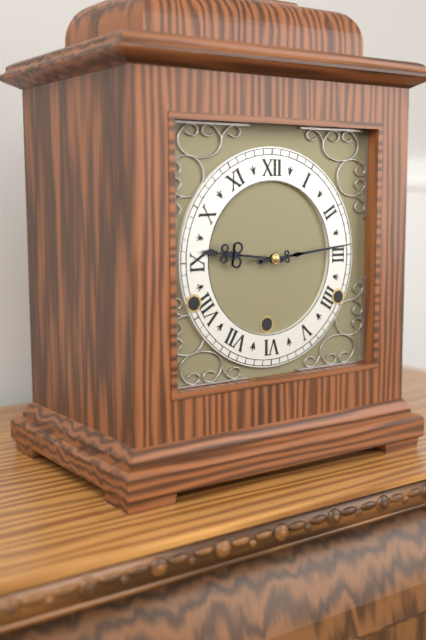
9.14
